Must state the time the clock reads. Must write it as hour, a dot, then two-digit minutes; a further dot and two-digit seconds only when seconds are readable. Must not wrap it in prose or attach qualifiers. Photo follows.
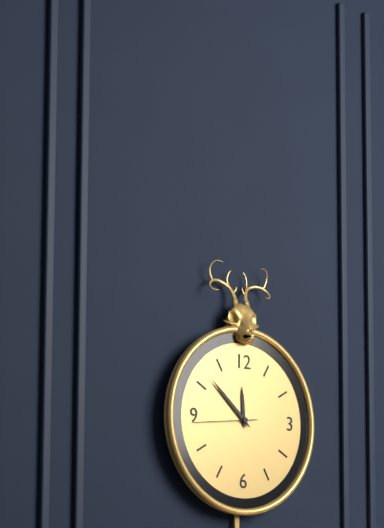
11.52.44
